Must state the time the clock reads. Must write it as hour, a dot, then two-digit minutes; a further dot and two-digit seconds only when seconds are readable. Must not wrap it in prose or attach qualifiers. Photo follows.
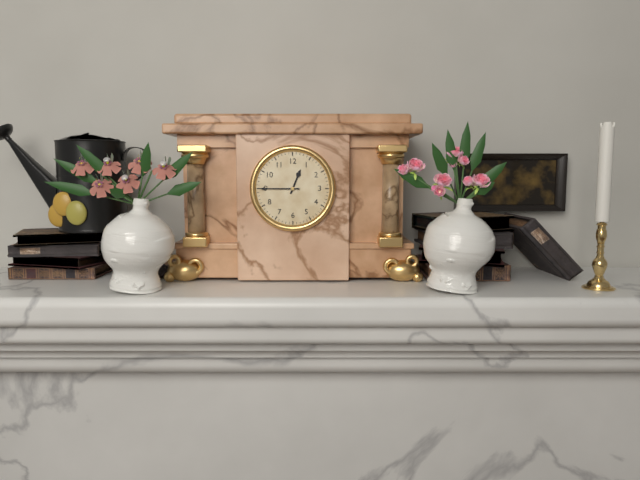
12.45
